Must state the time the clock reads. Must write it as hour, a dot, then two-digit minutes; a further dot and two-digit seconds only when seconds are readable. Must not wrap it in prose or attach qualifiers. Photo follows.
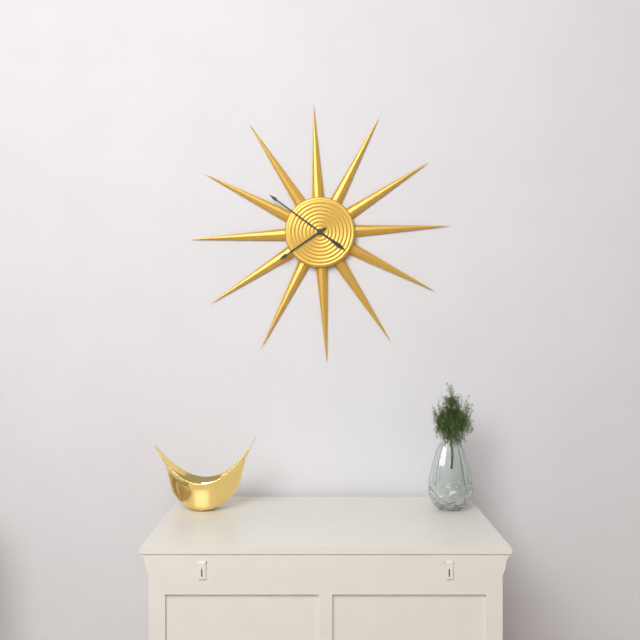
7.51
